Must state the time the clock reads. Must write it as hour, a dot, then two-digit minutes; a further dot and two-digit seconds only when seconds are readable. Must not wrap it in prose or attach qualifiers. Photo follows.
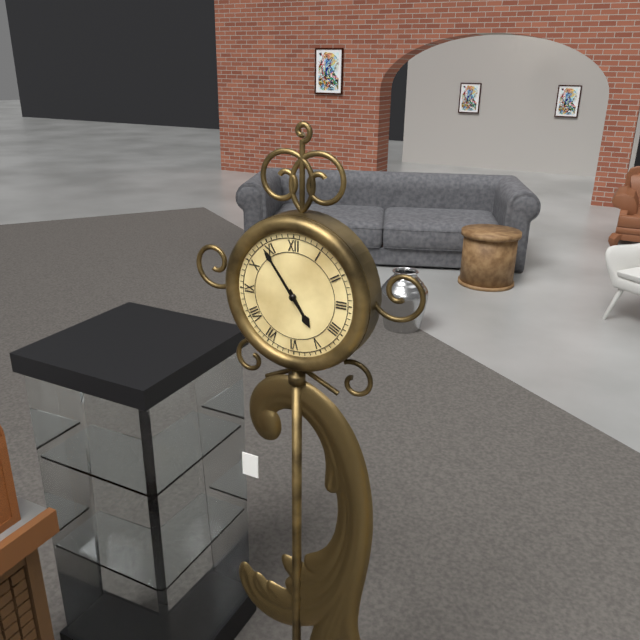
4.54
